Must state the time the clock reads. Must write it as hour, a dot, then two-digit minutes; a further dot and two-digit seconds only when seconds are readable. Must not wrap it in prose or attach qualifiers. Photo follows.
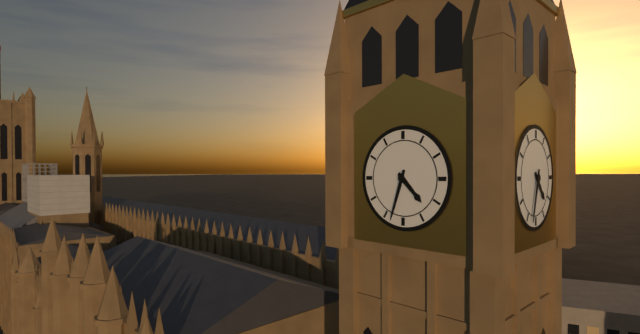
4.33
